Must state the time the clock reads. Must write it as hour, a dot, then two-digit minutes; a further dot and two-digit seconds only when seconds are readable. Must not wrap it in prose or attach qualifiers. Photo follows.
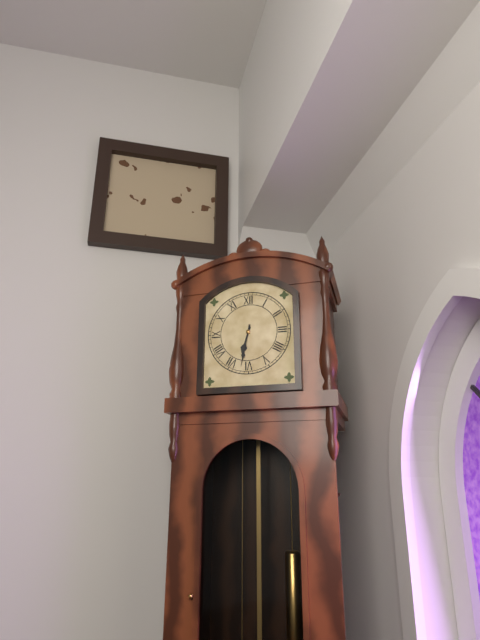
6.32
